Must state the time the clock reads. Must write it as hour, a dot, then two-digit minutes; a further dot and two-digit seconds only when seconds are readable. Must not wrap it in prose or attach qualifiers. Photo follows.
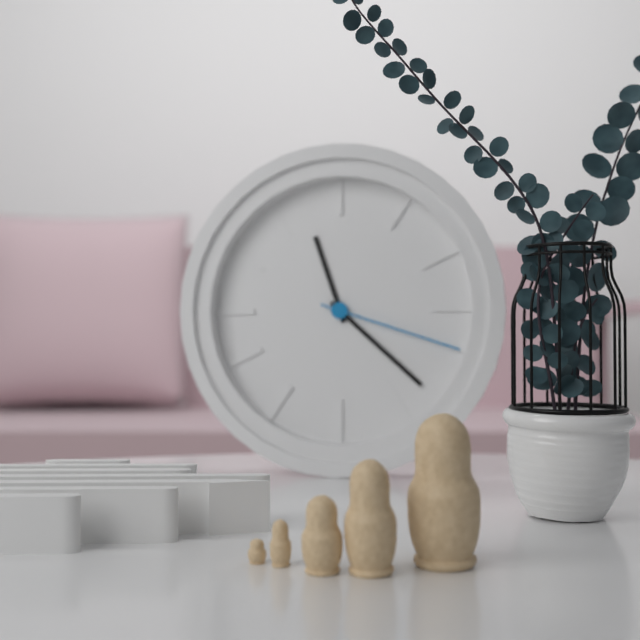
11.22.18
